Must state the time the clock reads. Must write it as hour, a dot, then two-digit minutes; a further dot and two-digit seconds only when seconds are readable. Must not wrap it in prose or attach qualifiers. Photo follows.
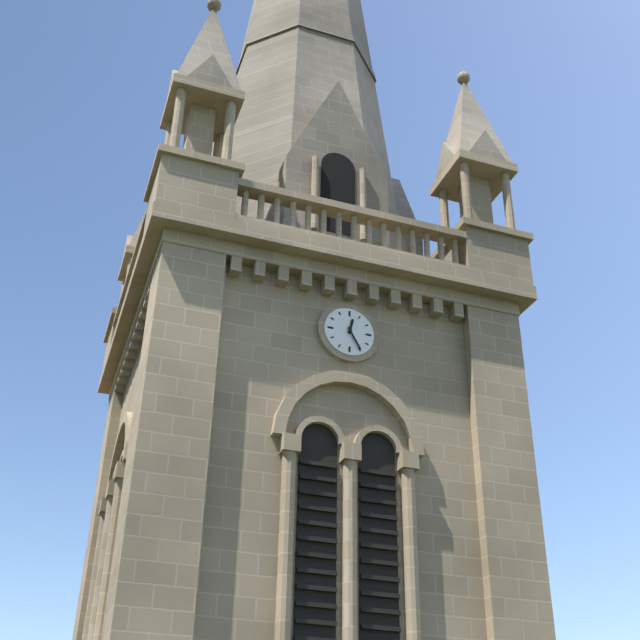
12.25
